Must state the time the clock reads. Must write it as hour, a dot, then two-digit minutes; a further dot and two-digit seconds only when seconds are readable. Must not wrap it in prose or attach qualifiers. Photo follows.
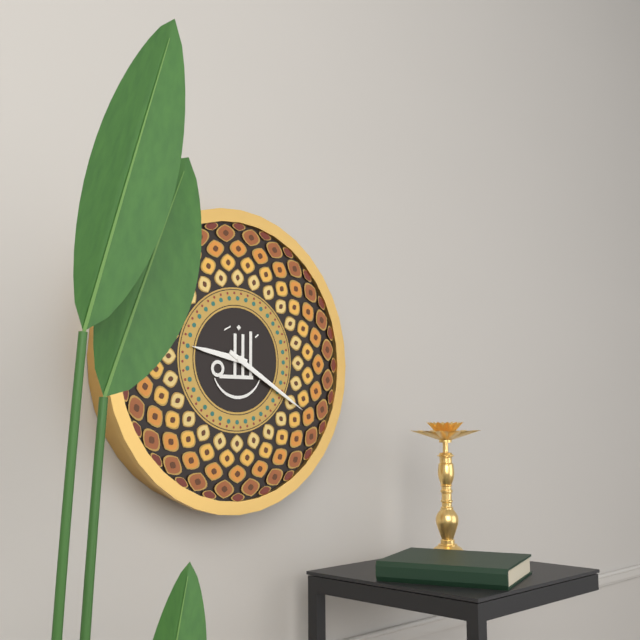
9.20
